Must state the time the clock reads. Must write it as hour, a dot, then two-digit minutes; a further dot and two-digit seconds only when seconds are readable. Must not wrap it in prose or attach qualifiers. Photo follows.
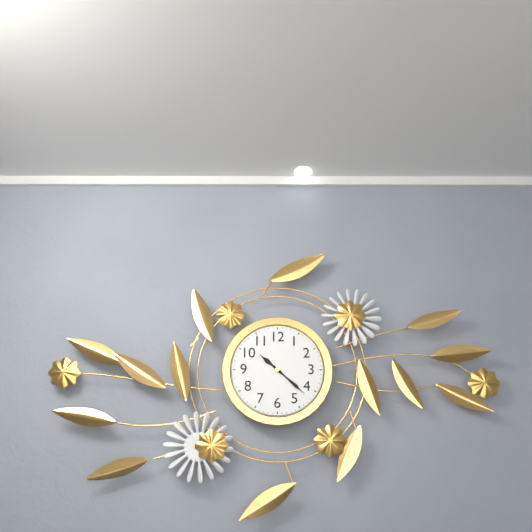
10.22
